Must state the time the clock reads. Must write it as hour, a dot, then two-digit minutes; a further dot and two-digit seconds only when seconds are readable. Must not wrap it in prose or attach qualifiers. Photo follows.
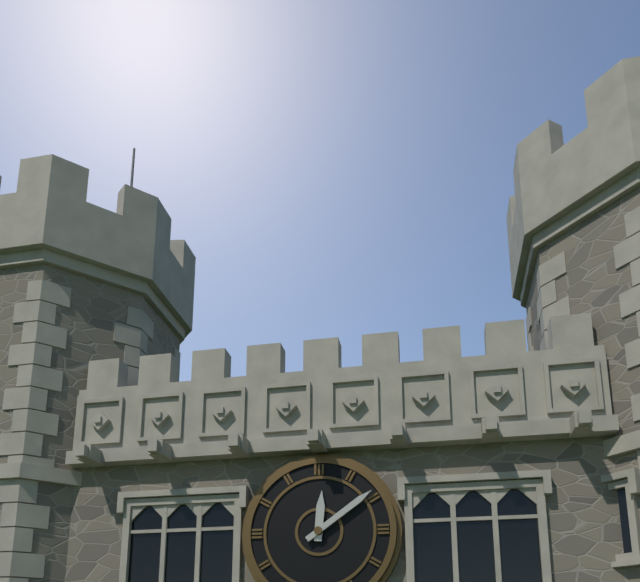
12.09
